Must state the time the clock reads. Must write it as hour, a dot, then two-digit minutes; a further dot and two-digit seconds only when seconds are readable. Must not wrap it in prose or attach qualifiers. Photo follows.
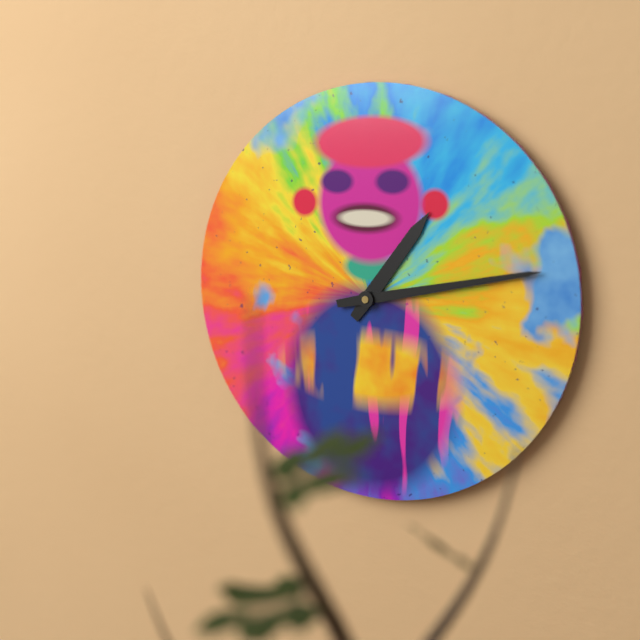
1.13
